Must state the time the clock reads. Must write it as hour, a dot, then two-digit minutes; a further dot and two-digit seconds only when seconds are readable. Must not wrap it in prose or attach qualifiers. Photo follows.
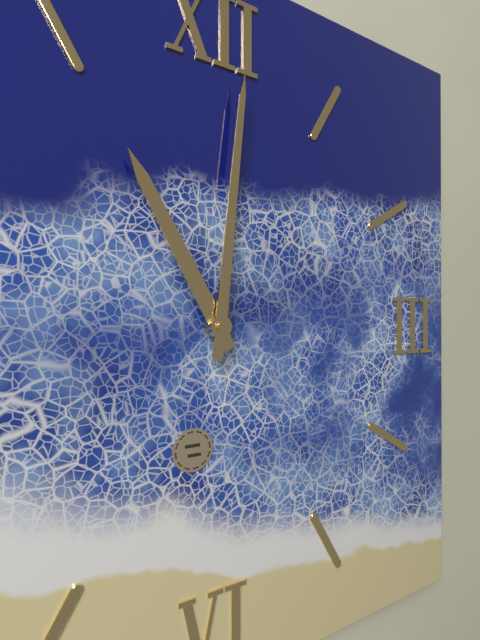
11.01
